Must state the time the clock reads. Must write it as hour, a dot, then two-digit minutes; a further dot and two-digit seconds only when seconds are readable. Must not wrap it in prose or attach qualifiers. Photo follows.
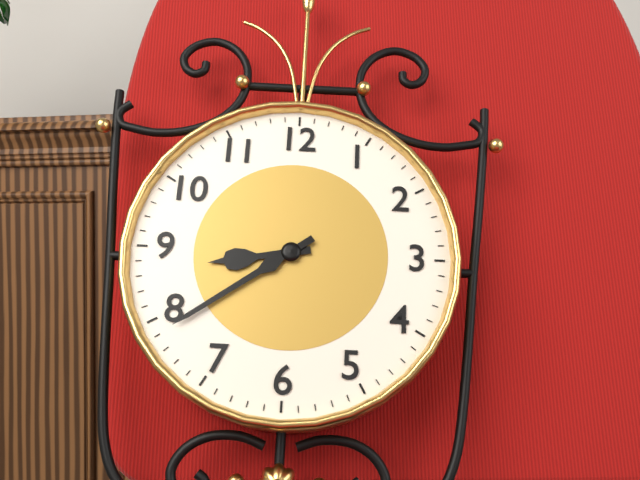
8.39
